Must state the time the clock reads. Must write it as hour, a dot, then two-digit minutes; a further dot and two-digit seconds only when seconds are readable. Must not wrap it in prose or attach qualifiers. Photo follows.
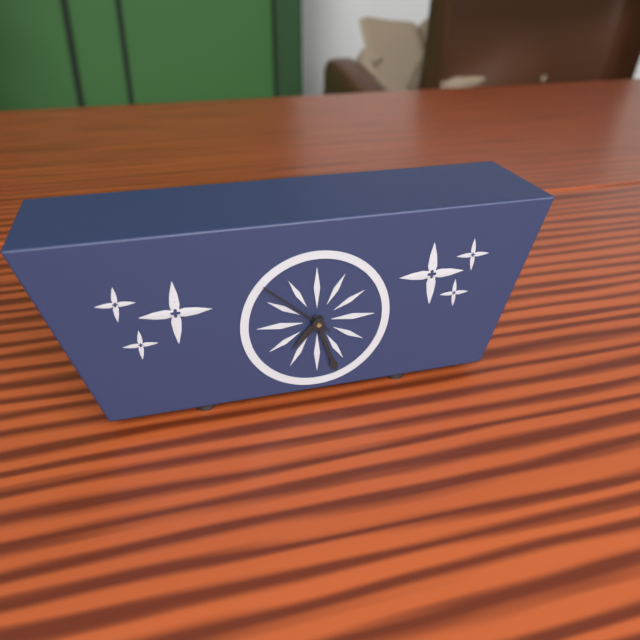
7.27.52
